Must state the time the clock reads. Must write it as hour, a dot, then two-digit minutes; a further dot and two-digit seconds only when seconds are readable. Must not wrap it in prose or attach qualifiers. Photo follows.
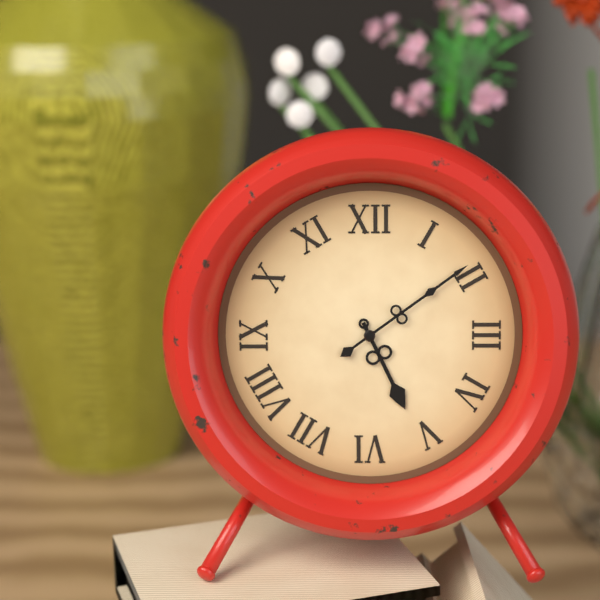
5.09
